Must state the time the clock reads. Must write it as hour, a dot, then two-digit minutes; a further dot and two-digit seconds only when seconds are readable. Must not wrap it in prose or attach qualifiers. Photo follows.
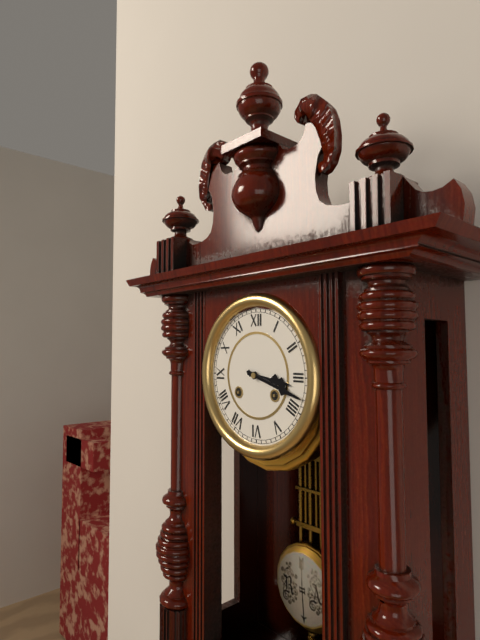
3.18
